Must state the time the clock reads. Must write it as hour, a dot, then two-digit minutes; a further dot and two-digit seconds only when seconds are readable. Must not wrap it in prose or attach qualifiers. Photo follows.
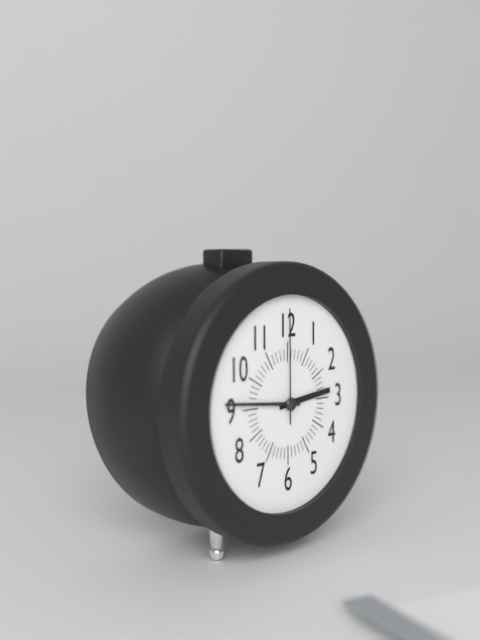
2.46.00
